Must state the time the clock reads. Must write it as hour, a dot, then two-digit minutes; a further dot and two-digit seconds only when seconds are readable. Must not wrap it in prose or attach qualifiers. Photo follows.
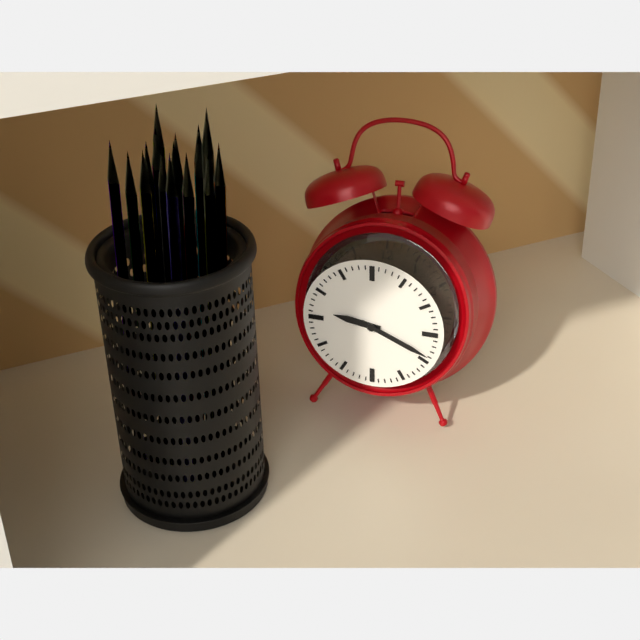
9.19
